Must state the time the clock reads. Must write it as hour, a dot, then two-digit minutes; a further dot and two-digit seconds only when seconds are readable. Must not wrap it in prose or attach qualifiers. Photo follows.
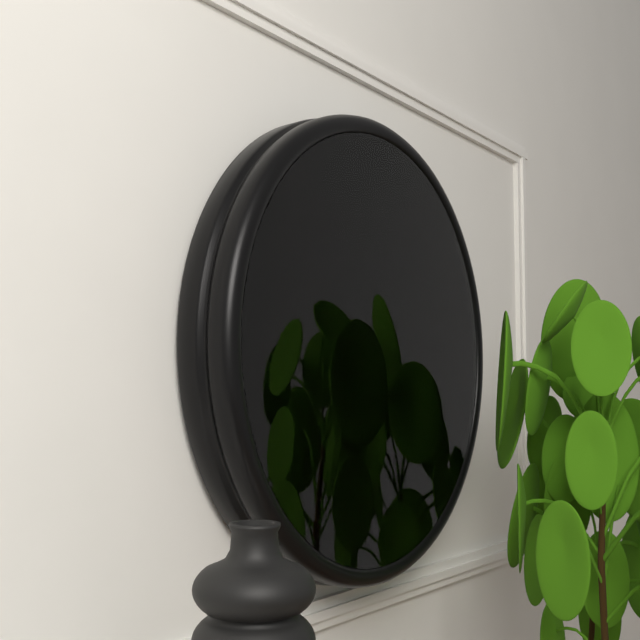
8.50
